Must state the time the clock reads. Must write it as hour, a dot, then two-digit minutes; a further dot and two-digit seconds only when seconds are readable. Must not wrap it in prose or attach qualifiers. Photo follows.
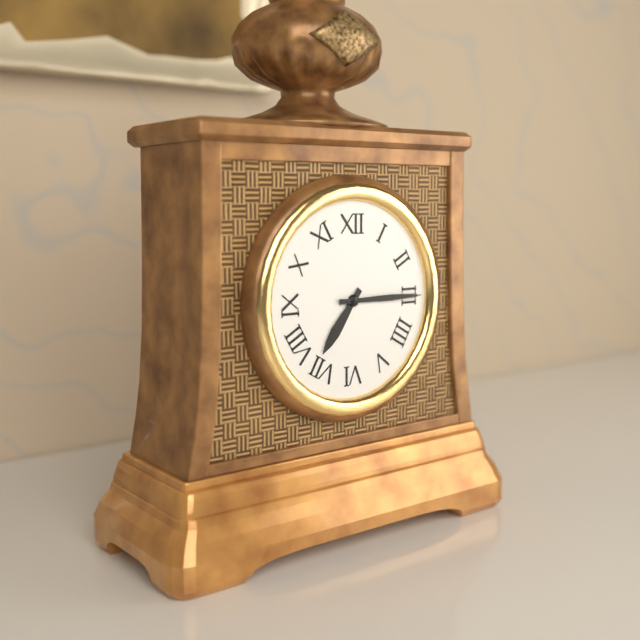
7.15
